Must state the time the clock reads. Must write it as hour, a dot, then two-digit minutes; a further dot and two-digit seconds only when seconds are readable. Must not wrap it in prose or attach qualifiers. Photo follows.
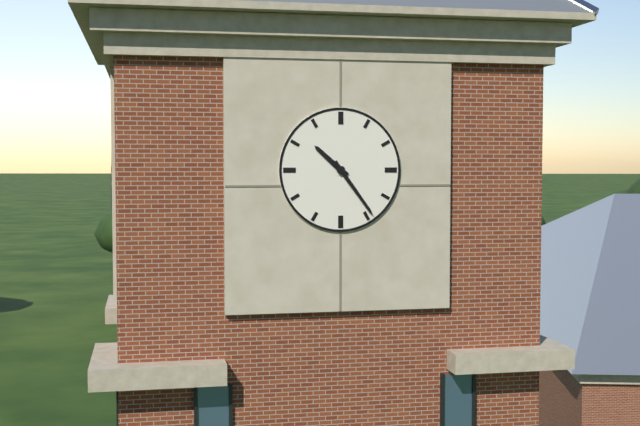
10.24
